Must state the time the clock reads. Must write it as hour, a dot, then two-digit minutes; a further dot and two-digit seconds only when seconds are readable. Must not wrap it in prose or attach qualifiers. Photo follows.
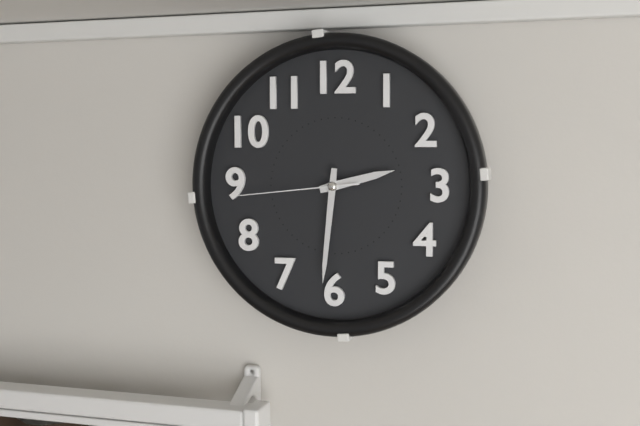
2.31.44
